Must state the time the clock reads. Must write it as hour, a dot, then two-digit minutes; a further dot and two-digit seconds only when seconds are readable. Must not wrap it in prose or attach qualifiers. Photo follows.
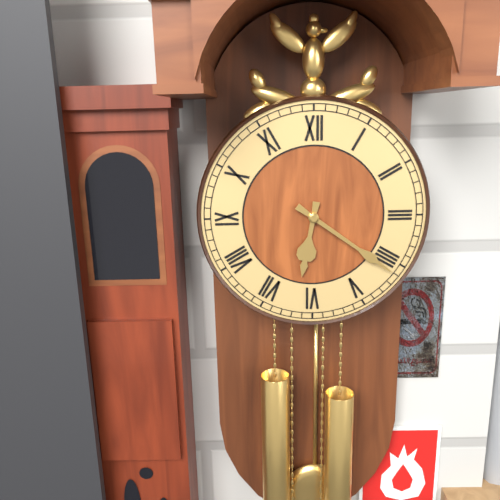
6.21
